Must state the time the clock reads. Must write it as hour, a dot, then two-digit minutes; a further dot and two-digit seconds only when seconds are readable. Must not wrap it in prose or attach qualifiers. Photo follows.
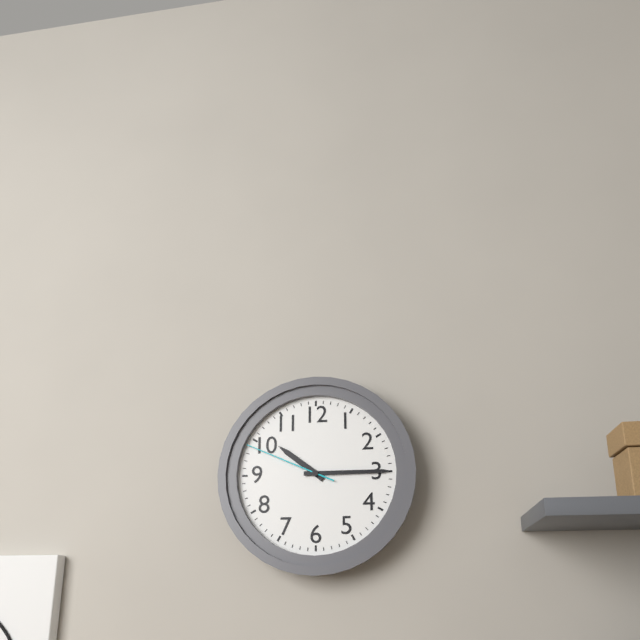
10.15.49
